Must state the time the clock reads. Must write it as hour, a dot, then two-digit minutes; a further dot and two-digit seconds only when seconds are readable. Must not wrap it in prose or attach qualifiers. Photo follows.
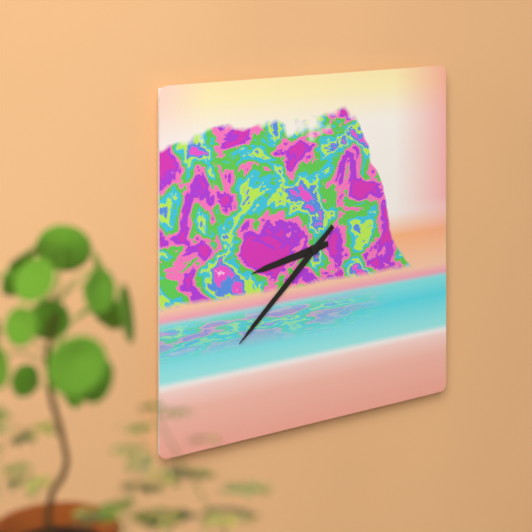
8.38
